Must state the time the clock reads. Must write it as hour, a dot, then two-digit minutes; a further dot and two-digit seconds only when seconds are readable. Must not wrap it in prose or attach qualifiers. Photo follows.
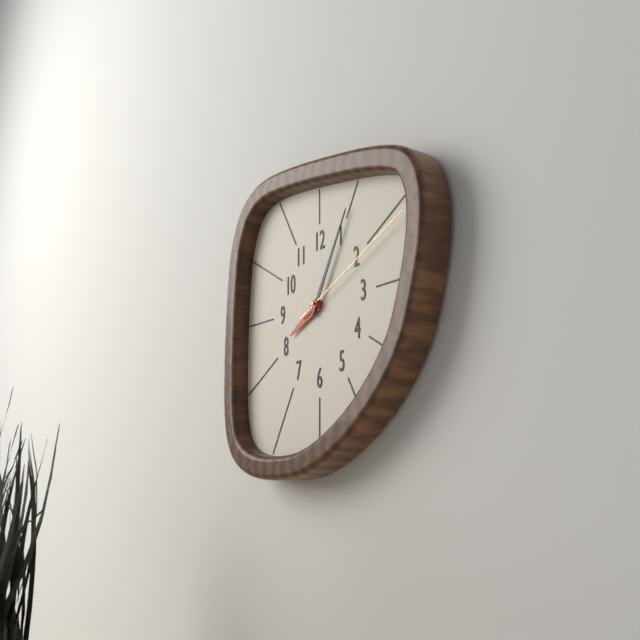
8.05.11
